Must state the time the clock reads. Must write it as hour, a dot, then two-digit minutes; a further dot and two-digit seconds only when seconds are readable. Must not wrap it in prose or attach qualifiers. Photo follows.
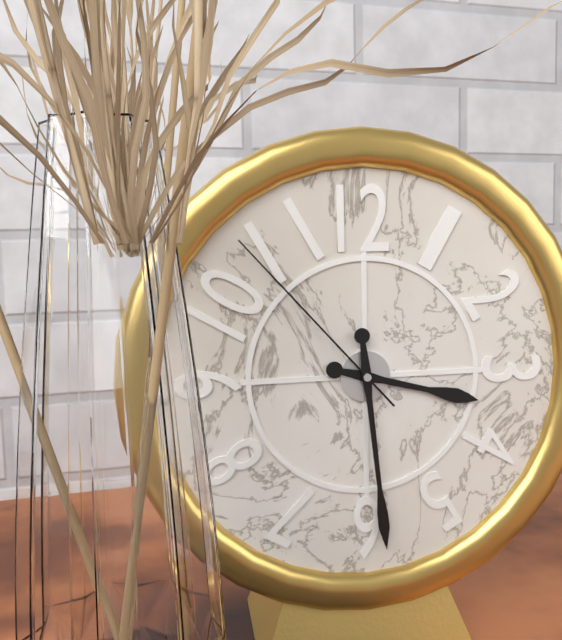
3.29.53
